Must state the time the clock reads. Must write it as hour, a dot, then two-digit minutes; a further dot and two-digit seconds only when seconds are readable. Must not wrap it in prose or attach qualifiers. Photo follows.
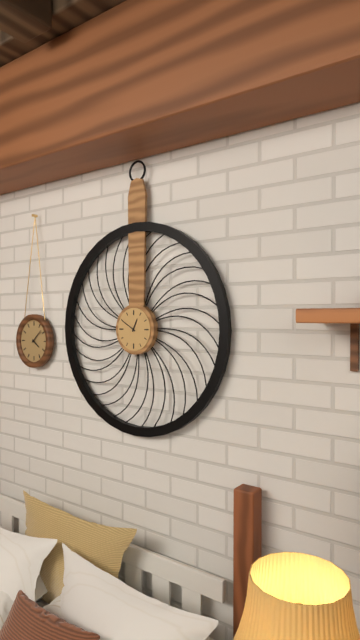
12.50
